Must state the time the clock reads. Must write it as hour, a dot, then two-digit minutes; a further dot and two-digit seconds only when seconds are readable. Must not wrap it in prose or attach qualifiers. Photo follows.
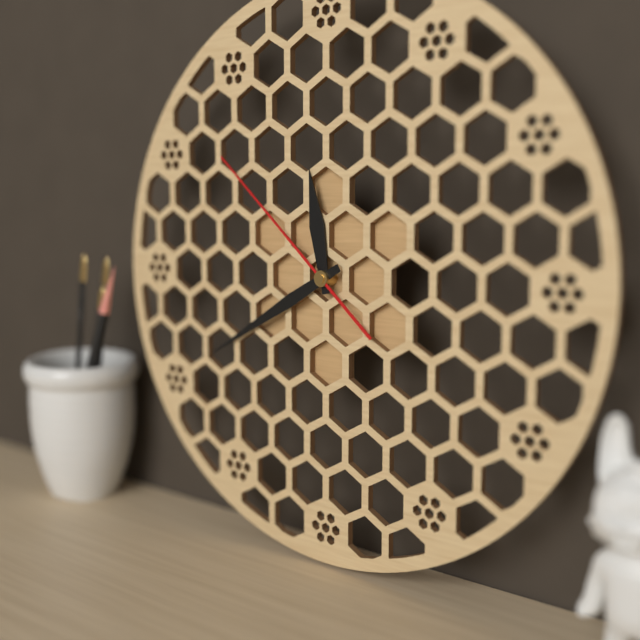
11.40.52
